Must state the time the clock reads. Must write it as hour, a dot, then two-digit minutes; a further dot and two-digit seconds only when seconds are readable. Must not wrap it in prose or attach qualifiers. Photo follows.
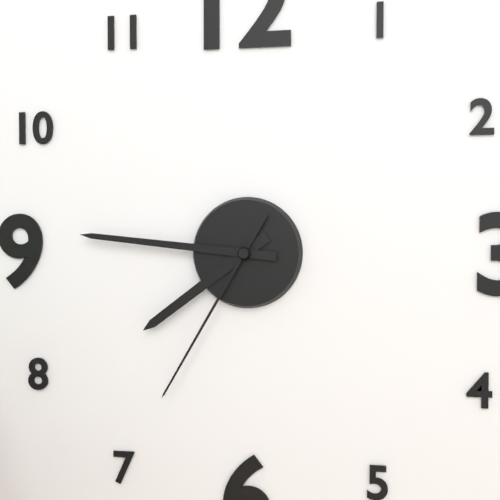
7.46.35
